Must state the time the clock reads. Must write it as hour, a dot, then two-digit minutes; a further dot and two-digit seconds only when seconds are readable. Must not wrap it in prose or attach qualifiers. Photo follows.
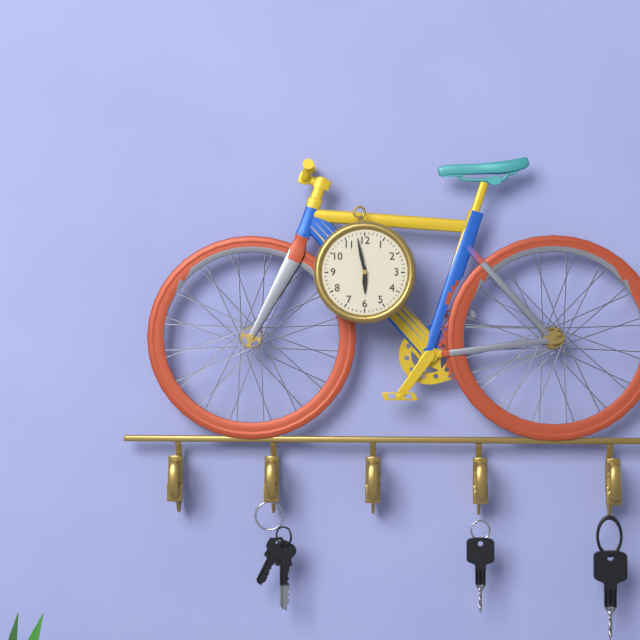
5.58
